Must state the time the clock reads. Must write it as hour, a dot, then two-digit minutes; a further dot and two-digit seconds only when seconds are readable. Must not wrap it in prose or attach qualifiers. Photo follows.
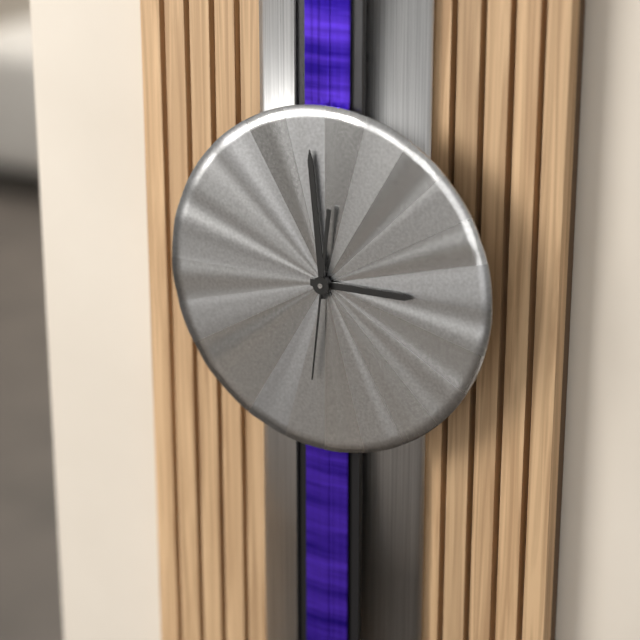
2.59.31
